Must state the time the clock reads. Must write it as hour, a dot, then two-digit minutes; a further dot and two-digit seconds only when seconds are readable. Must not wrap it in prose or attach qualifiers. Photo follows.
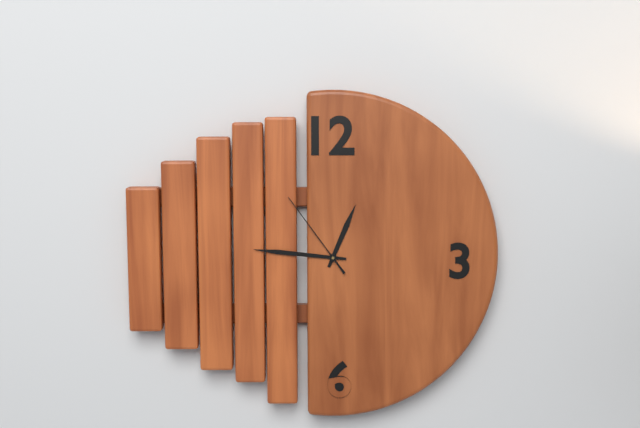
12.46.54
